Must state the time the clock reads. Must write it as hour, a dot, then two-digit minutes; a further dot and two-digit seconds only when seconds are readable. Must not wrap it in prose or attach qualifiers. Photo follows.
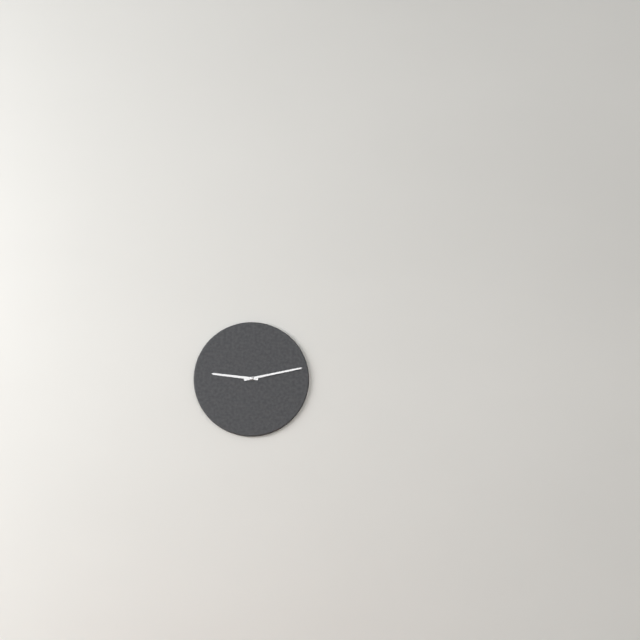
9.13
